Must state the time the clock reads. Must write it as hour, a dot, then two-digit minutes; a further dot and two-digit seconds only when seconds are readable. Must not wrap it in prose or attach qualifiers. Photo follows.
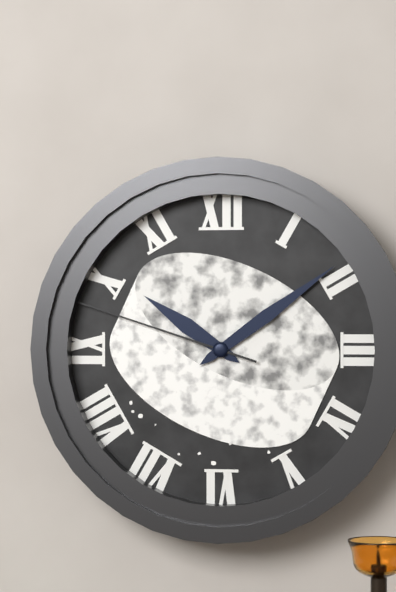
10.09.48
